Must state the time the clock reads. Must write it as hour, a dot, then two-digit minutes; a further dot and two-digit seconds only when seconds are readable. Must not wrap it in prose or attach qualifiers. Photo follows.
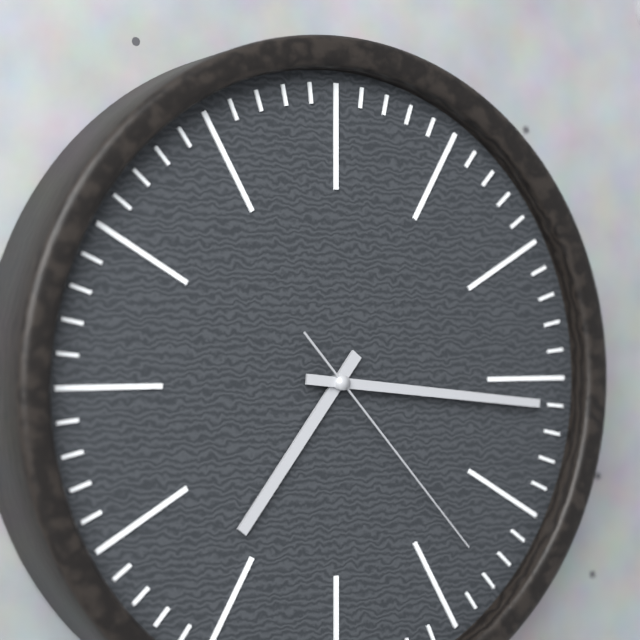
7.16.23
